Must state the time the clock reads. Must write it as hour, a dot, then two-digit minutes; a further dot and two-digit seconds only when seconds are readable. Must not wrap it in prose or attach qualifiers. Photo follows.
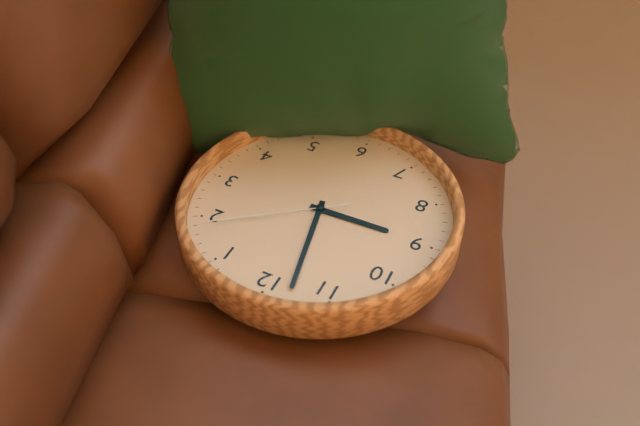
8.58.09
